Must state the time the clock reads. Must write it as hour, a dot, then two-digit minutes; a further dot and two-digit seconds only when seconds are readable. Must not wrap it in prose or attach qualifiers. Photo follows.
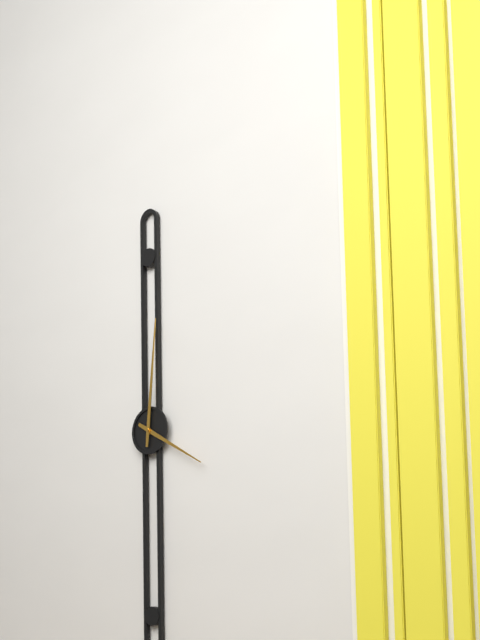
4.01
